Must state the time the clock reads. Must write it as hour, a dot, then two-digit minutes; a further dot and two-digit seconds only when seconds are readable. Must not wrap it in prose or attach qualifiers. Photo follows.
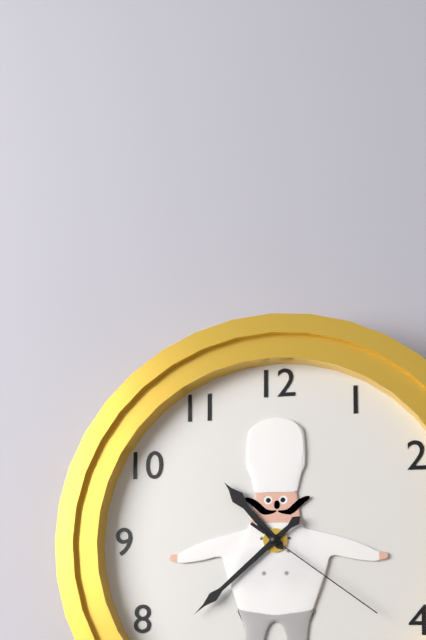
10.38.21
